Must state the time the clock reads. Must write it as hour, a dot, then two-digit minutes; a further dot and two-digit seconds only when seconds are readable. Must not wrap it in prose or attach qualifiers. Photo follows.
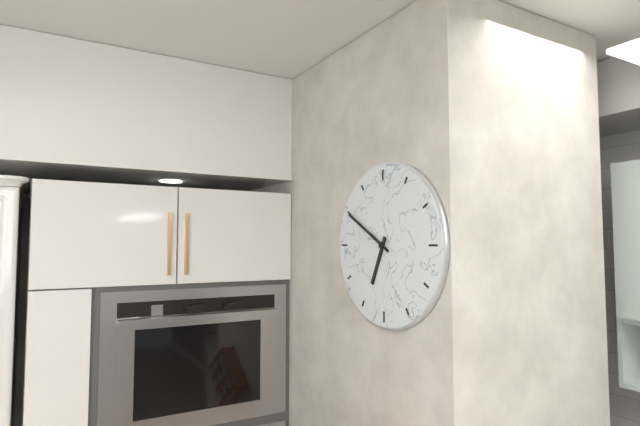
6.50
